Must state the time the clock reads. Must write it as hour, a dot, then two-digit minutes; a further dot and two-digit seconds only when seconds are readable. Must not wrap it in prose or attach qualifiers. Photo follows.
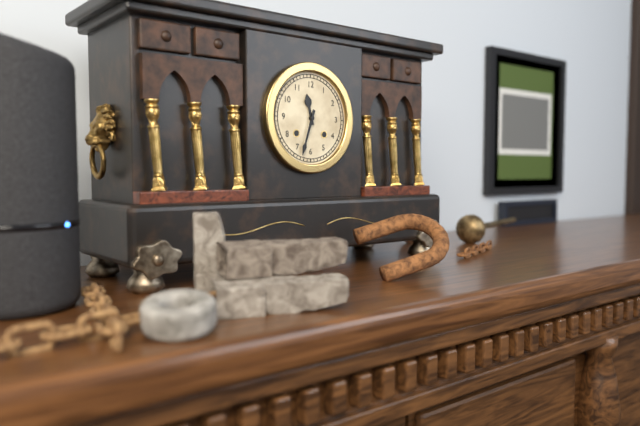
11.33
